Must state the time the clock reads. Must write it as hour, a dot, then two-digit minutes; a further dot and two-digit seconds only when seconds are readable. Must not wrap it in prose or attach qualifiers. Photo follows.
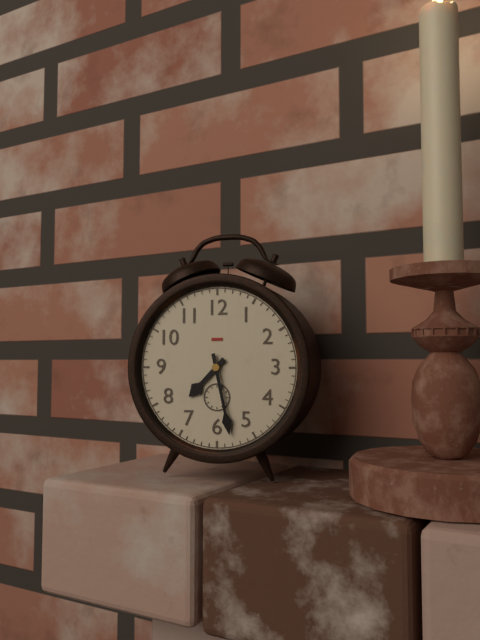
7.28
